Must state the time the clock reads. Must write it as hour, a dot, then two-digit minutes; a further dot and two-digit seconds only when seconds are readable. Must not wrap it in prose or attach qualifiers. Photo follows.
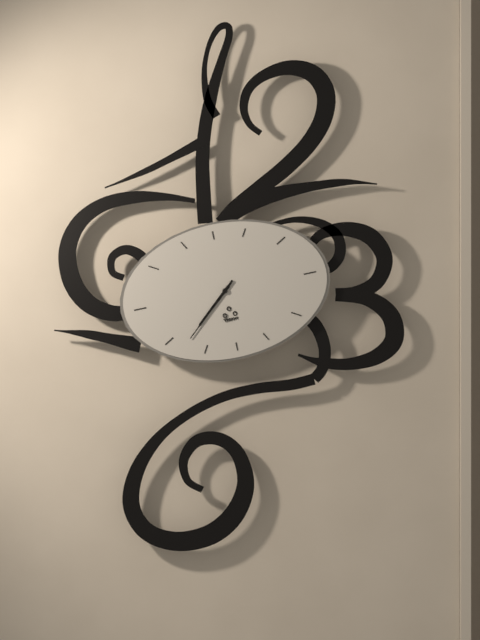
7.38
